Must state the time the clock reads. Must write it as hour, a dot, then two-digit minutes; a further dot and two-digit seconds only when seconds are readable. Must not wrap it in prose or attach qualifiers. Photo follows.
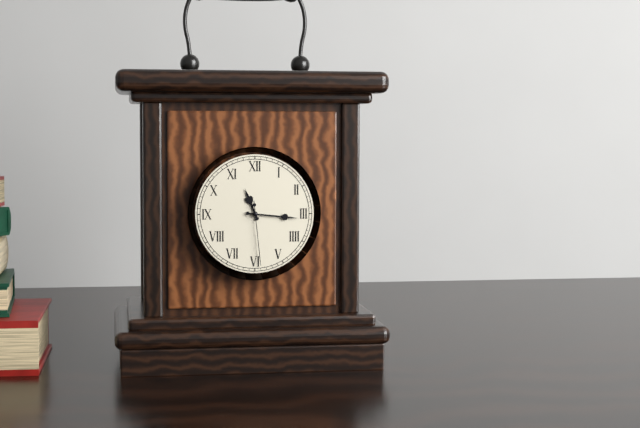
11.16.29
